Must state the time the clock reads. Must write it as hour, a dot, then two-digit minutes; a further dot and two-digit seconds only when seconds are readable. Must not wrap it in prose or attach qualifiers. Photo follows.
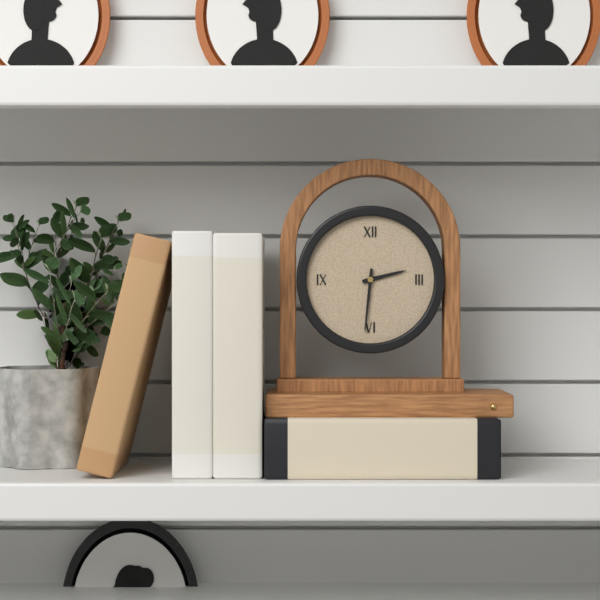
2.31
